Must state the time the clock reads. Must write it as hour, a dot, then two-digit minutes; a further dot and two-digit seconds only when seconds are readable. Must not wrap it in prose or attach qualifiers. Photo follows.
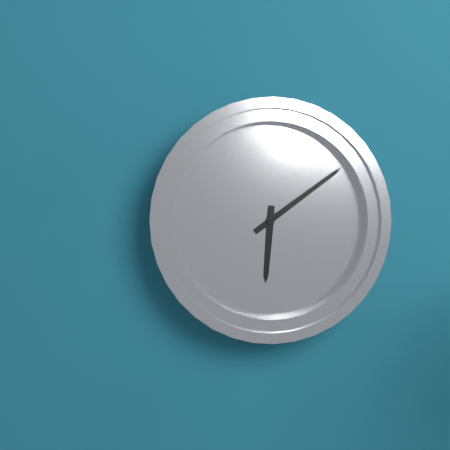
6.09
